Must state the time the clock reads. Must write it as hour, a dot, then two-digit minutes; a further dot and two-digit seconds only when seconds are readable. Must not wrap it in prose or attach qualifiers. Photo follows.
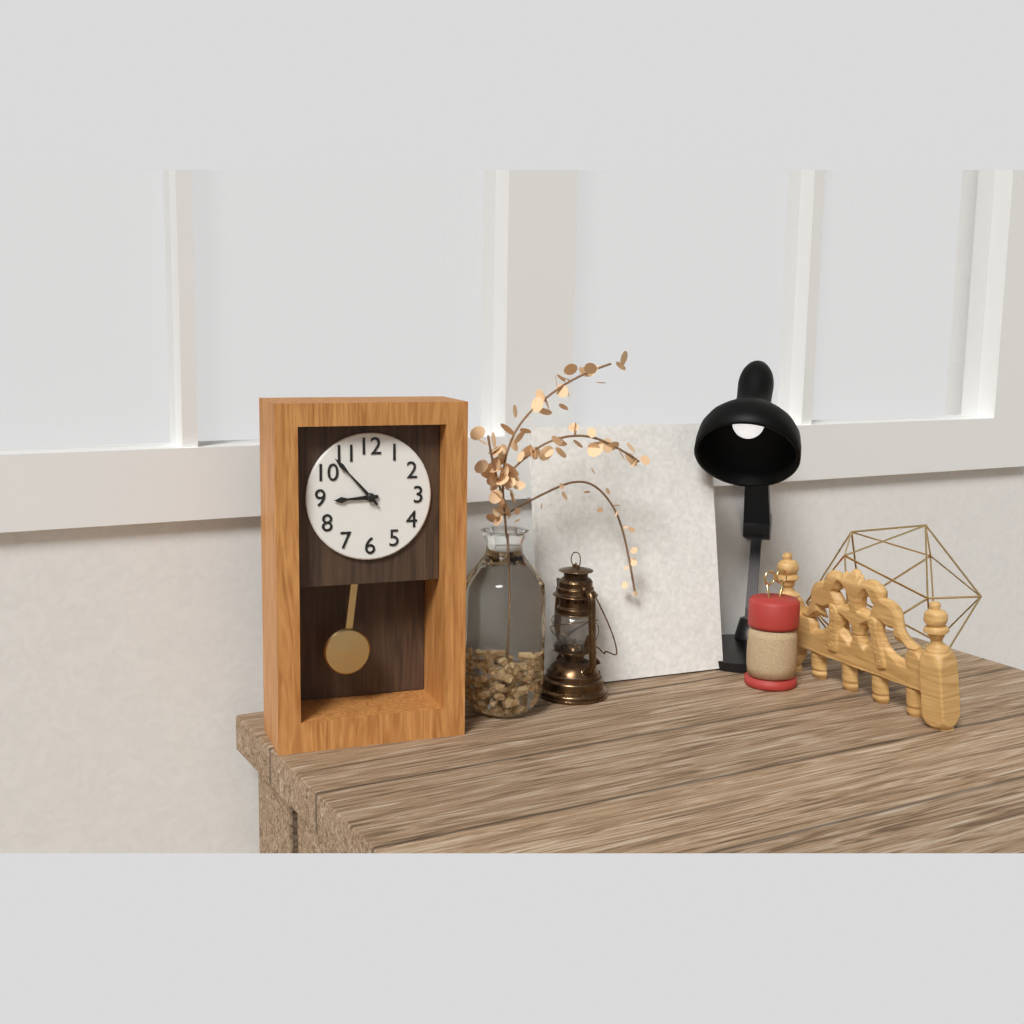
8.53
